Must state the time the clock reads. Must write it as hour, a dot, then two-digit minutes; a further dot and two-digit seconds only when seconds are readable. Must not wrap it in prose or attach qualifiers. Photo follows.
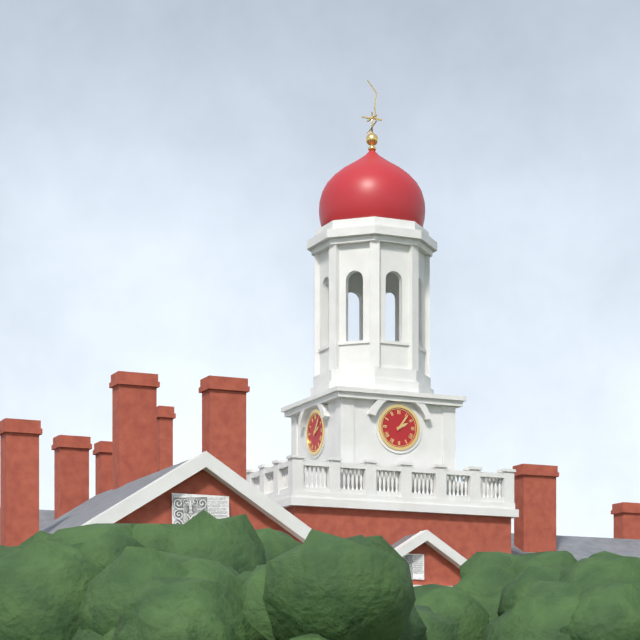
2.06
